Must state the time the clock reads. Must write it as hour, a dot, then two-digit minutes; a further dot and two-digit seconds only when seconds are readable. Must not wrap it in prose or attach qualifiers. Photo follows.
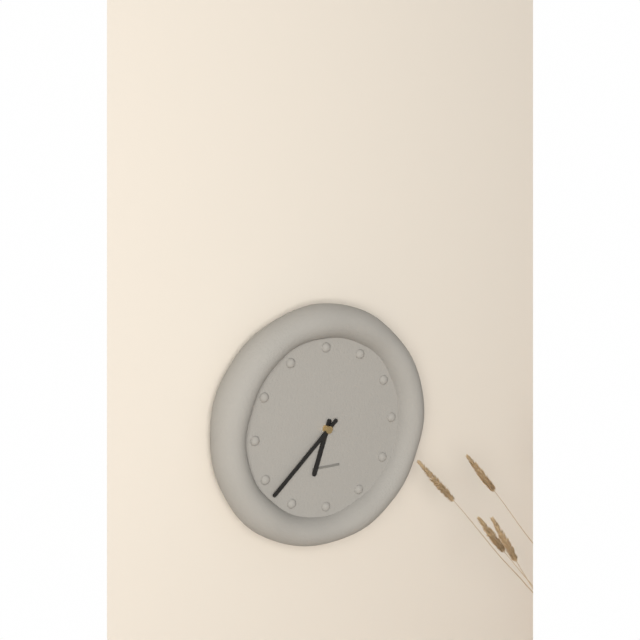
6.38
